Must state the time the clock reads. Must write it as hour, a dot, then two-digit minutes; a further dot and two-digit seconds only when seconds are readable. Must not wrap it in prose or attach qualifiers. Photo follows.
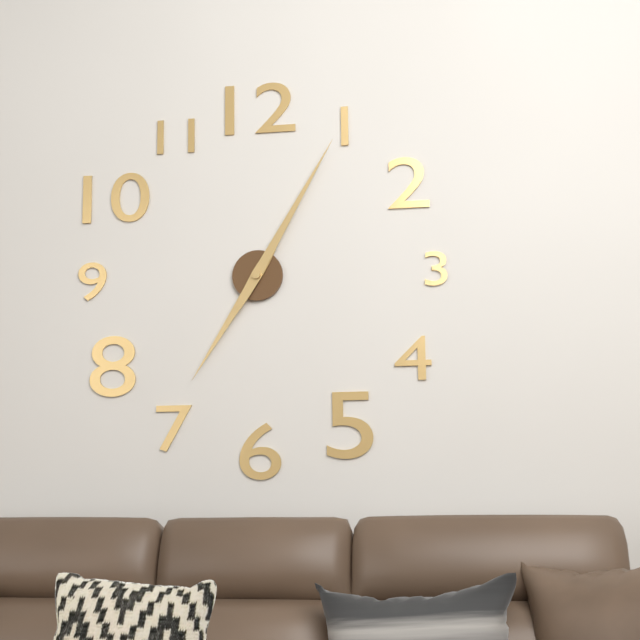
7.05
